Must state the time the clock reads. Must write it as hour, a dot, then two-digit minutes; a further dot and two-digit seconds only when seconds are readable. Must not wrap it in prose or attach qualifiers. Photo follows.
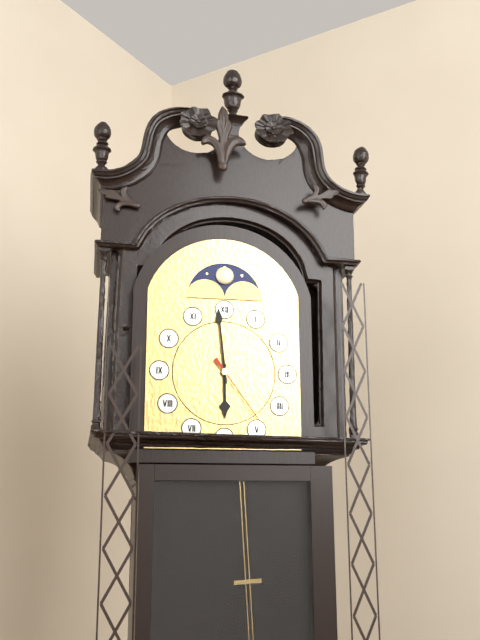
5.59.24
